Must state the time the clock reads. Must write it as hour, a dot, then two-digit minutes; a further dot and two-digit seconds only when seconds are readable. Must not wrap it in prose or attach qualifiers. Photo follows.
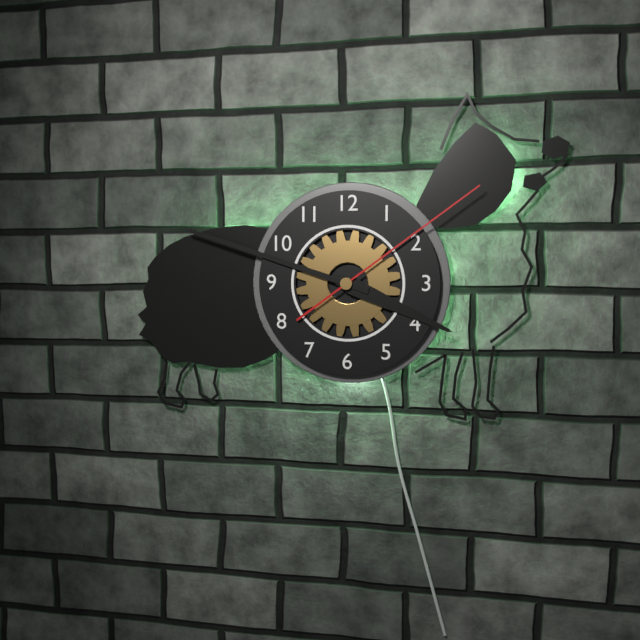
3.48.09
